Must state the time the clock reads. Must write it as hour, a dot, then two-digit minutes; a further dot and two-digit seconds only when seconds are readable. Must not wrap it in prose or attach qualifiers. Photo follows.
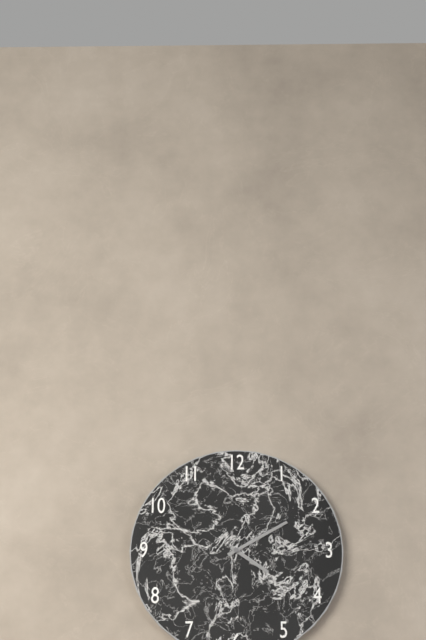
4.10
